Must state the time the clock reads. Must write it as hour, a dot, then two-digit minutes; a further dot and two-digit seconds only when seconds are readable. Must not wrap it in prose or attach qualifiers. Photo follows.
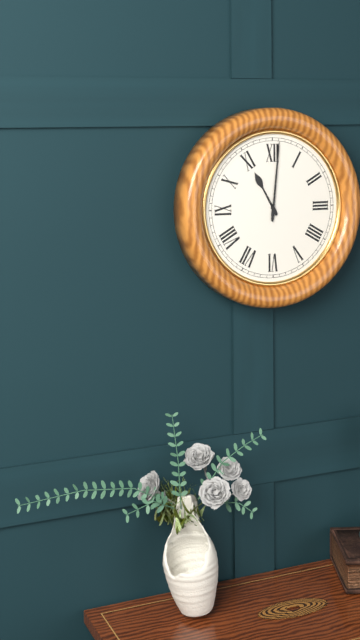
11.01
